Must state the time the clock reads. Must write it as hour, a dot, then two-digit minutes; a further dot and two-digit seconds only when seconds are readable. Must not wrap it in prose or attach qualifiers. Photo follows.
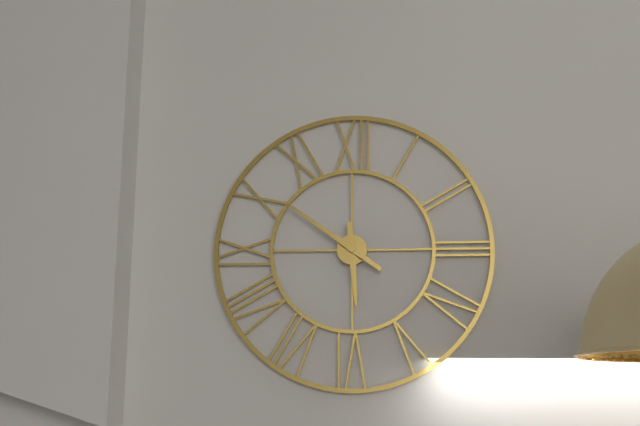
5.51
